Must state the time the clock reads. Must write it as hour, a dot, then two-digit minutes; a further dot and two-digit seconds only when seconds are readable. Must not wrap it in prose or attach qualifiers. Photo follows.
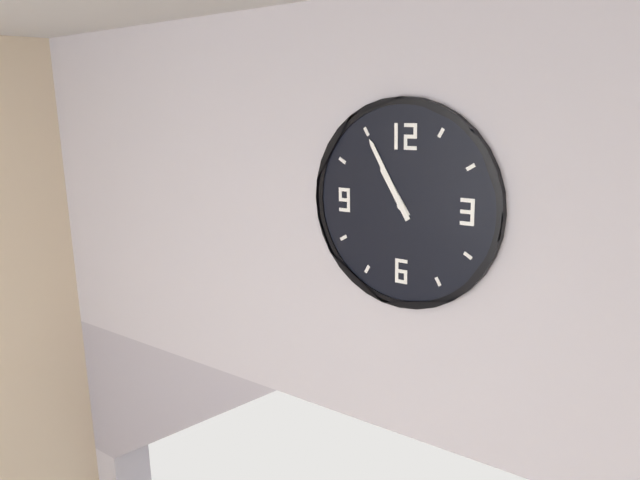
10.55
